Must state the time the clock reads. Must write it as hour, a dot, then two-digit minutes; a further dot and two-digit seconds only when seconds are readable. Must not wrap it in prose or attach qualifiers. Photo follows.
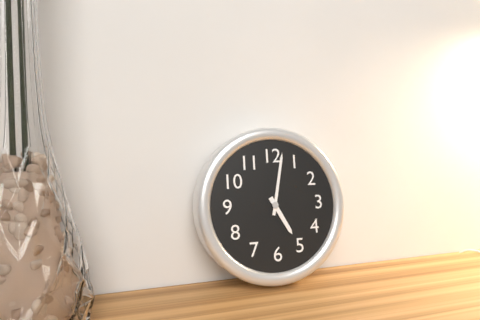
5.02
